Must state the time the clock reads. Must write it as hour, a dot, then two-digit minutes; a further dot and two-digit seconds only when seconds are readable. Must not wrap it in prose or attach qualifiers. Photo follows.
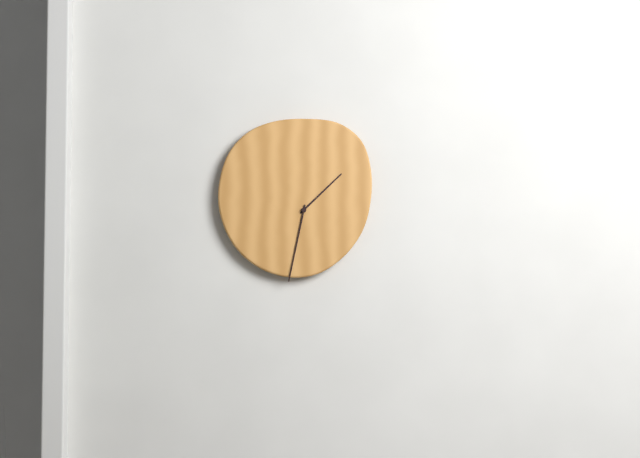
1.32
